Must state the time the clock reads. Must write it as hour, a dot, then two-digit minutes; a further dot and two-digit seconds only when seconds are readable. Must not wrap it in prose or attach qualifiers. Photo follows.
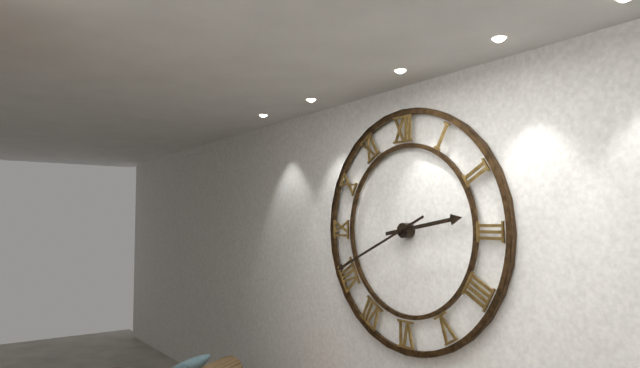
2.41
